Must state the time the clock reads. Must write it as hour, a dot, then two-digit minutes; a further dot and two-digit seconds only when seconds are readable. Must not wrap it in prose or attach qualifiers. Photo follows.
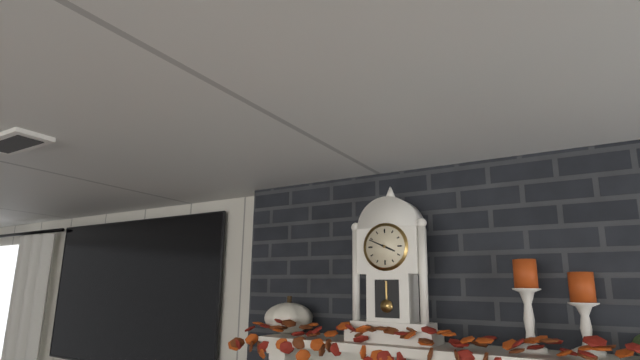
3.49
